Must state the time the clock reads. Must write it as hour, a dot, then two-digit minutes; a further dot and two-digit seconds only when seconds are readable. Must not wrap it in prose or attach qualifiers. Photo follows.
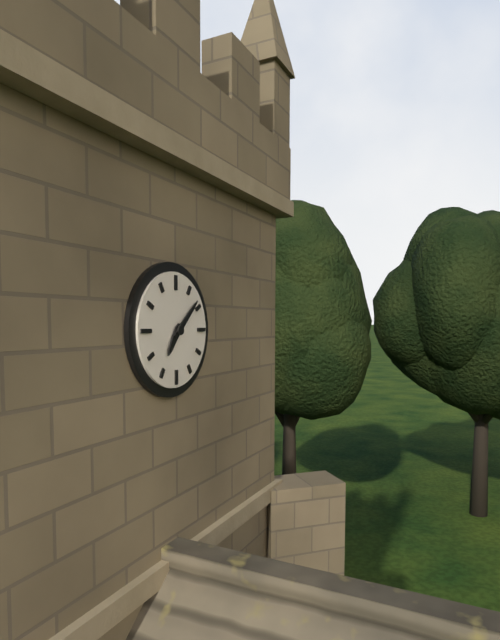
7.08
